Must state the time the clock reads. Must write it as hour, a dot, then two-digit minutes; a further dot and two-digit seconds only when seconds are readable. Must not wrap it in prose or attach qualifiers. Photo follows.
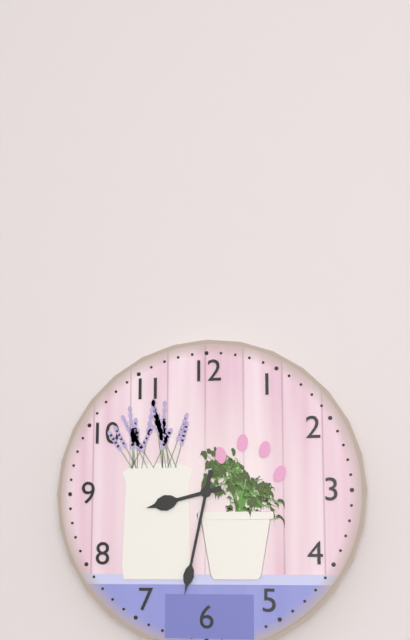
8.32
